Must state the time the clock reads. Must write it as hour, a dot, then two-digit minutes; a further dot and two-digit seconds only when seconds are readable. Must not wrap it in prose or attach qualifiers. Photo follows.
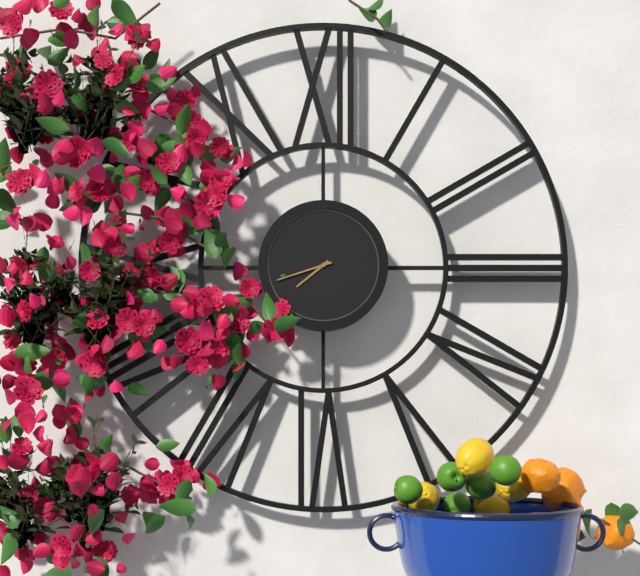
7.42
